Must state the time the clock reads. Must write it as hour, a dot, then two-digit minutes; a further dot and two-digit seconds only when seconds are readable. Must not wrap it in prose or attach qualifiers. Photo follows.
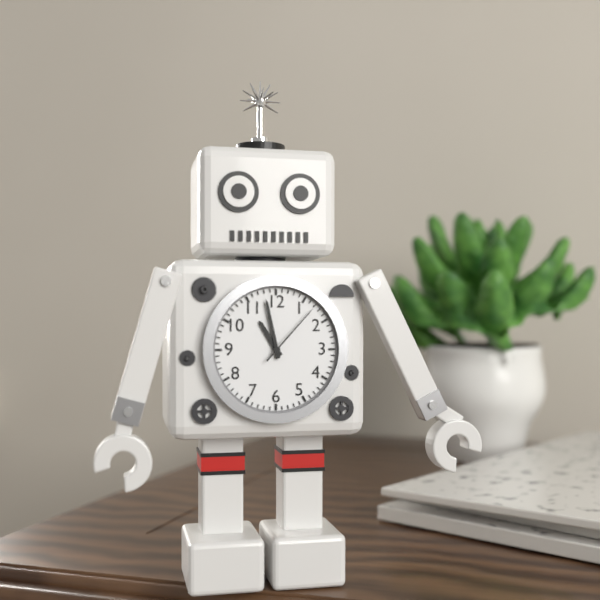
10.58.07
